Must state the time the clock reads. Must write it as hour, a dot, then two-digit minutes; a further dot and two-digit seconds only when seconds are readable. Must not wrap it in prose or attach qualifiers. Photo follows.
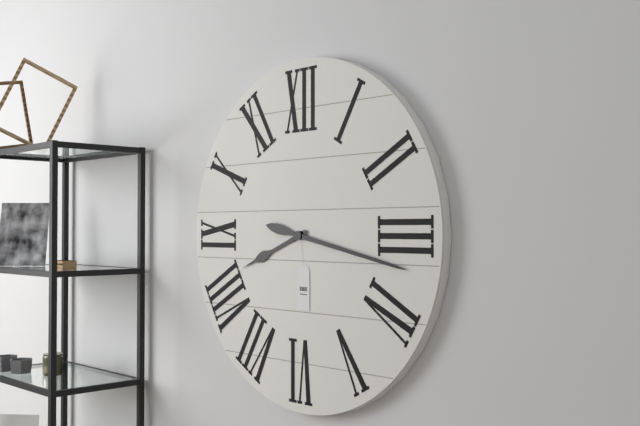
8.17
